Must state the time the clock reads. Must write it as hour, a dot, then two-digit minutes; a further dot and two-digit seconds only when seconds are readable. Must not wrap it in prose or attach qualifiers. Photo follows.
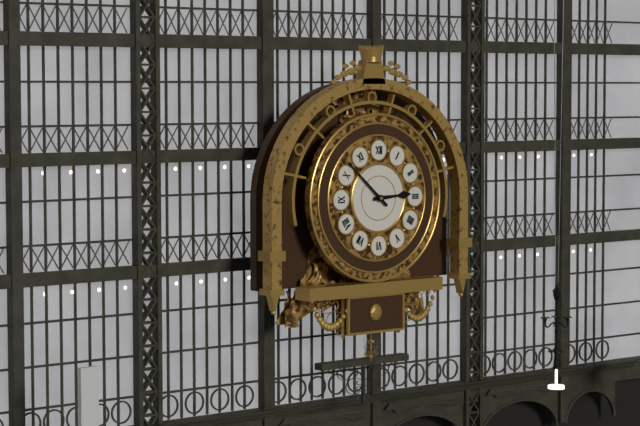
2.52
